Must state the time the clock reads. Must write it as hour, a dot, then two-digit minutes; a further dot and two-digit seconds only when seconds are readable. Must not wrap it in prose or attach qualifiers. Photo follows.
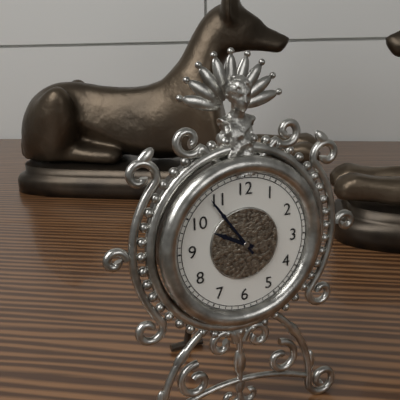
9.54
